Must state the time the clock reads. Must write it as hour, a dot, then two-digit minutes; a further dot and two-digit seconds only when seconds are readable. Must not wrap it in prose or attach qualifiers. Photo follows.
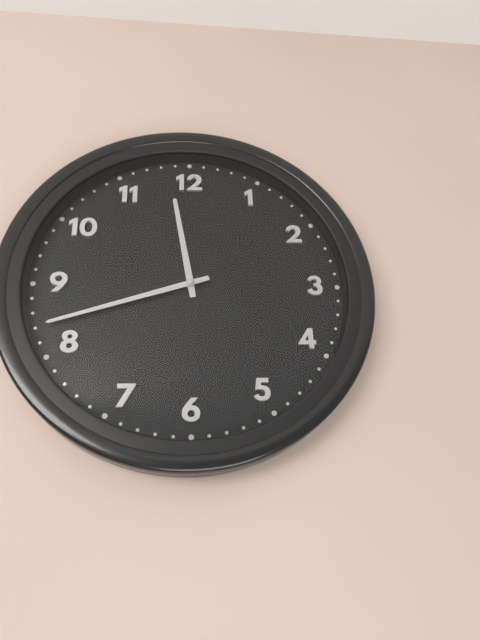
11.42
